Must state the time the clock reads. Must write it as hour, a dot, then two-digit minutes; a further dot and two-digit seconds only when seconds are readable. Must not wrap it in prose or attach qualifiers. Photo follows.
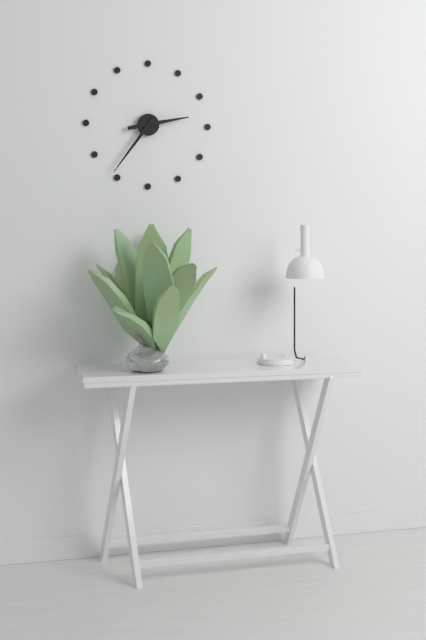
2.36
